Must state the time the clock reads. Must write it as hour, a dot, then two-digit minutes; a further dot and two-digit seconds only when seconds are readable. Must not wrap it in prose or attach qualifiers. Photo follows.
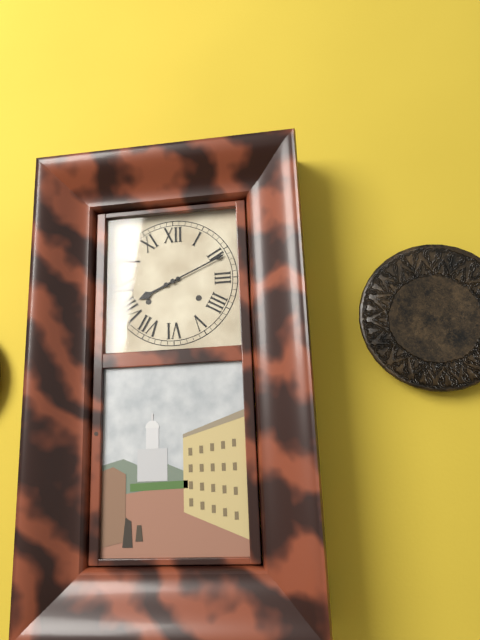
8.11
